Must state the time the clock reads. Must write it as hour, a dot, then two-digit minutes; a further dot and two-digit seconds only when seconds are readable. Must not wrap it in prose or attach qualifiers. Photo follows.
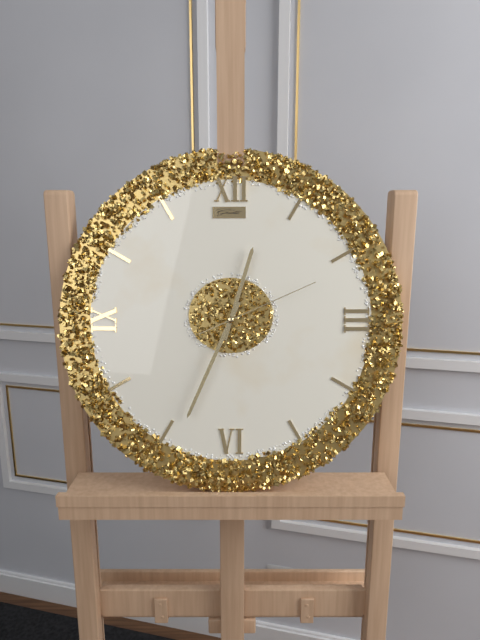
12.34.11
